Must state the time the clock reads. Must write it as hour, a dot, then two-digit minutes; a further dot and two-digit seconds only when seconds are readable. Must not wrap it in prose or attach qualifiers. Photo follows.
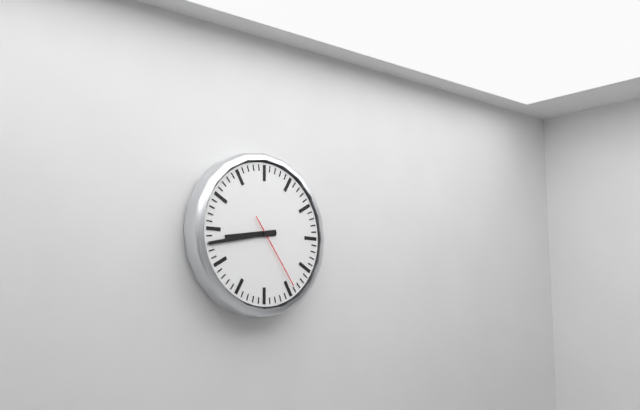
8.43.24
